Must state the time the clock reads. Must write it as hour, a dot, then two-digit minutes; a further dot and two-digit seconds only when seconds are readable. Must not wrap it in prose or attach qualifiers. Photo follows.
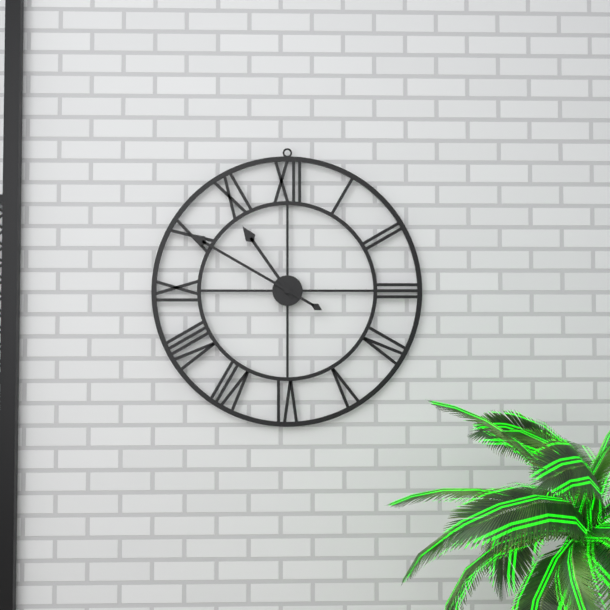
10.50
